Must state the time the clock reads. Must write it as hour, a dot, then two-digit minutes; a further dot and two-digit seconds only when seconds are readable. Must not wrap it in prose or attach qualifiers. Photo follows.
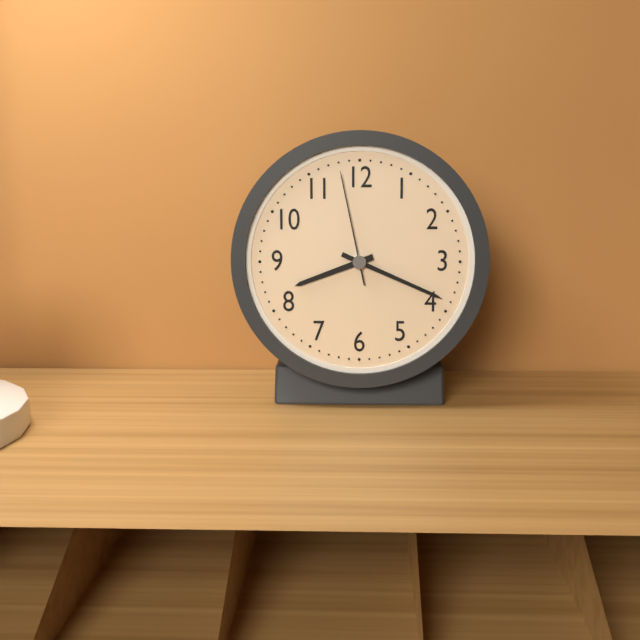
8.19.58
